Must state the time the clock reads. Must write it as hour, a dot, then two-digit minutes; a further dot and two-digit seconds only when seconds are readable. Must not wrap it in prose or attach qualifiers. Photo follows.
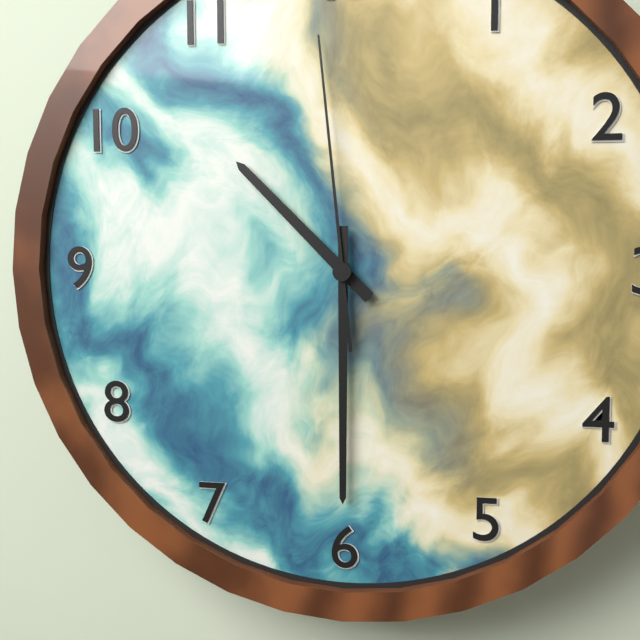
10.30.59
